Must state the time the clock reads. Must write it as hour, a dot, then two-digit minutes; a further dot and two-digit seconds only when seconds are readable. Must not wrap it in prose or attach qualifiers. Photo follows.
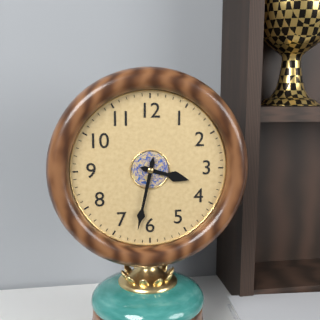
3.32
